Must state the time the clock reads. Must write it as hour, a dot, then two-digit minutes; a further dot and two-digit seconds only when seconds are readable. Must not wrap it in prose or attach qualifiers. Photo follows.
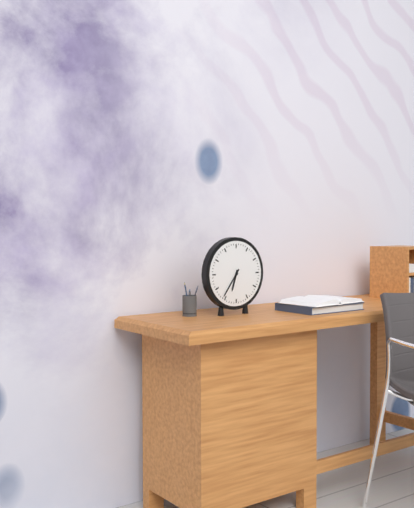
6.36
